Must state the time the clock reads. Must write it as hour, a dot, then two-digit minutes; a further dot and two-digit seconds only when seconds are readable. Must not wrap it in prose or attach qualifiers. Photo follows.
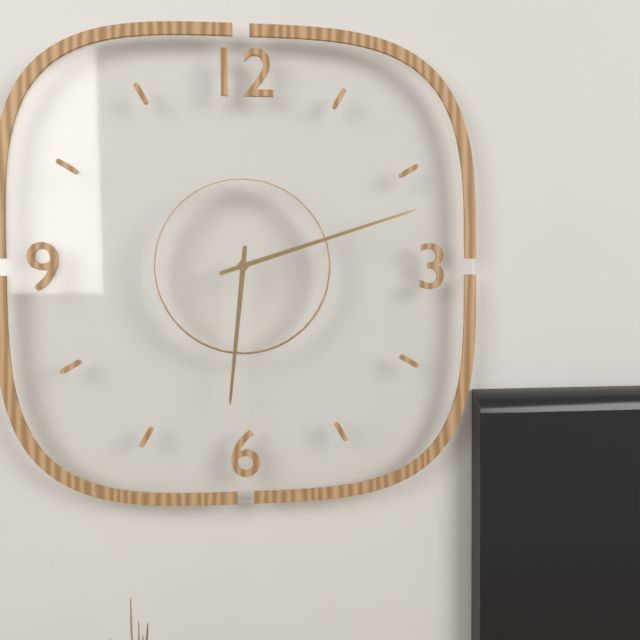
6.12
